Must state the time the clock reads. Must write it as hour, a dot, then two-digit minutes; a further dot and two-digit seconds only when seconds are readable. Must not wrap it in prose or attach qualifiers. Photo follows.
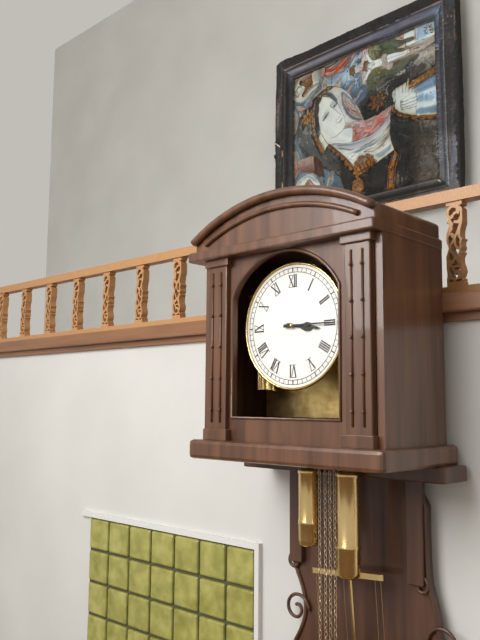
3.15
